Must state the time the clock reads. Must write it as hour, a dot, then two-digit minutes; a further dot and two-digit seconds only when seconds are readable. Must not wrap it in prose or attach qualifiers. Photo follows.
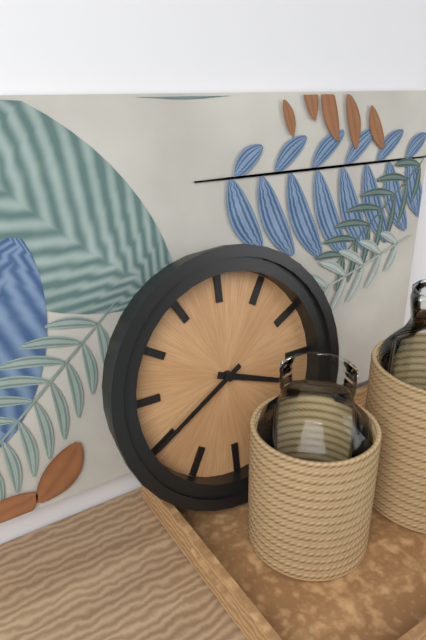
3.40
